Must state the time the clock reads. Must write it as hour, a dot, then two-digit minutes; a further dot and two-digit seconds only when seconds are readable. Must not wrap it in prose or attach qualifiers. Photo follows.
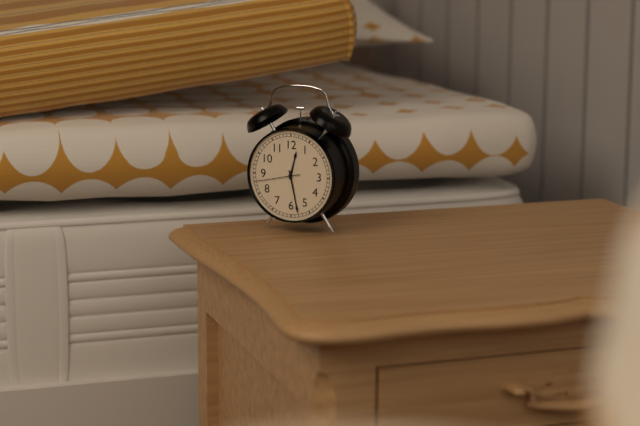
12.28
